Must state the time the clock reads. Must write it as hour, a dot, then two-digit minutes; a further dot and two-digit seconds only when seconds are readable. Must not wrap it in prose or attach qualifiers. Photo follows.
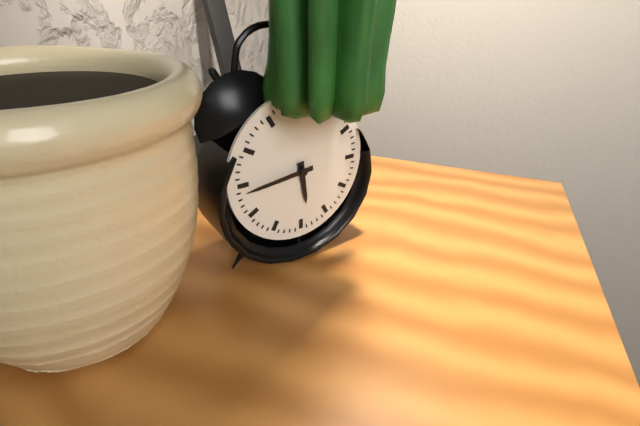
5.44
